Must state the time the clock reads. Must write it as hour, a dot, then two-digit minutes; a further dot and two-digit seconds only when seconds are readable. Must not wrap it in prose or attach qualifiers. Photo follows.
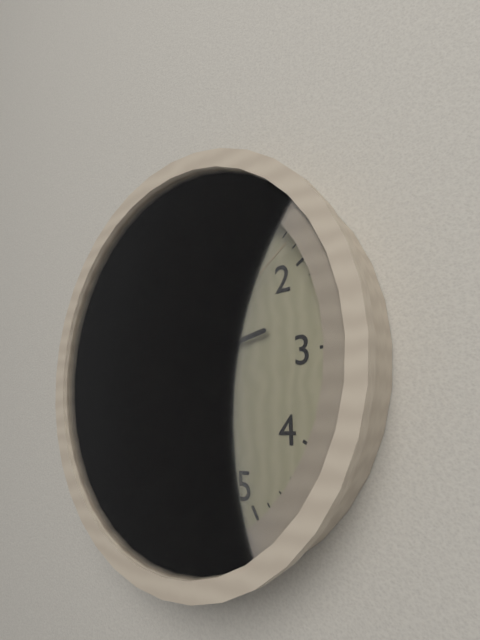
2.37.09
